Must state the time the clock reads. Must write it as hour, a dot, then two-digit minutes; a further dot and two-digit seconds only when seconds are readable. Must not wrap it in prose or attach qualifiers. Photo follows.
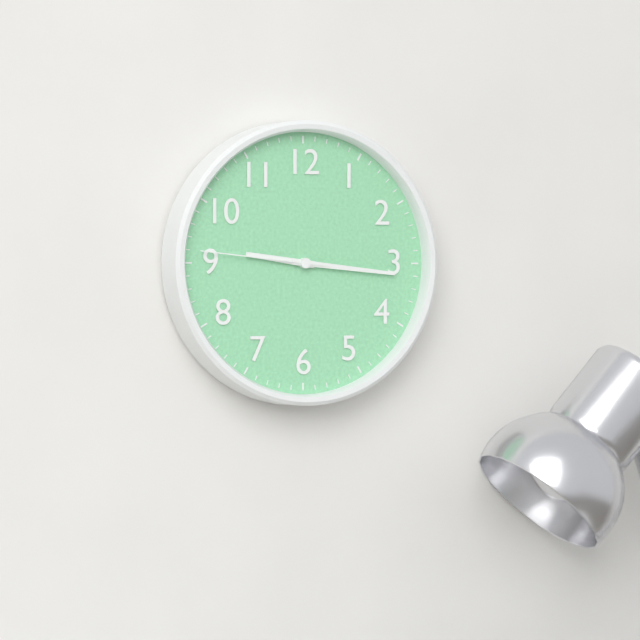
9.16.46
